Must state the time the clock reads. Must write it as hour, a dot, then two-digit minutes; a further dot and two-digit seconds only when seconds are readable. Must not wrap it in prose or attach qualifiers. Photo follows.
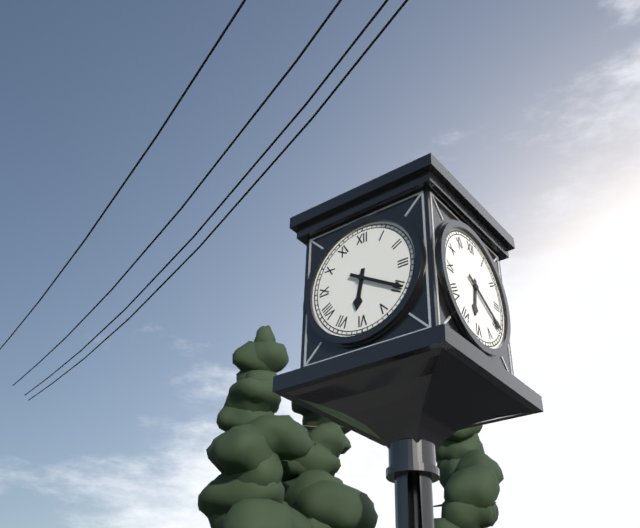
6.20
